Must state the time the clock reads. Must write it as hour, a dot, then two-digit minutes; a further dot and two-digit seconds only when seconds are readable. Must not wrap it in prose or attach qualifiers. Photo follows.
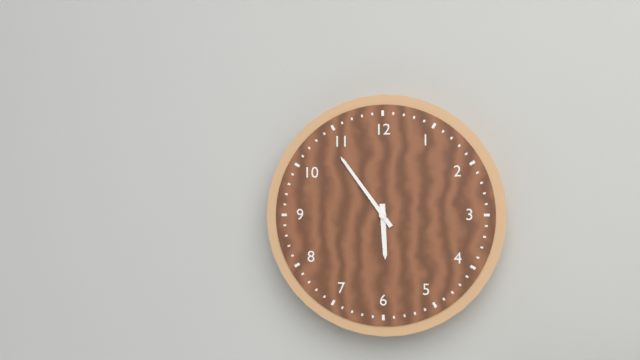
5.54
